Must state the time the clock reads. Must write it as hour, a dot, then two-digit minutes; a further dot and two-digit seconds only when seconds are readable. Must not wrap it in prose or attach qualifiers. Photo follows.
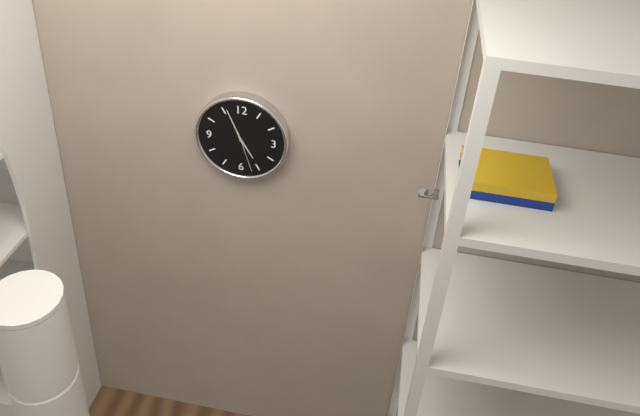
4.56
